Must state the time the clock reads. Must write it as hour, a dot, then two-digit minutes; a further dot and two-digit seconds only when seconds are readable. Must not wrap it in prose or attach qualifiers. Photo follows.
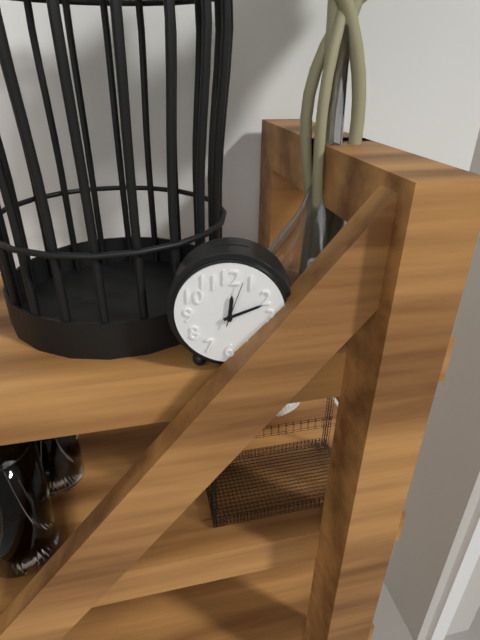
12.11
